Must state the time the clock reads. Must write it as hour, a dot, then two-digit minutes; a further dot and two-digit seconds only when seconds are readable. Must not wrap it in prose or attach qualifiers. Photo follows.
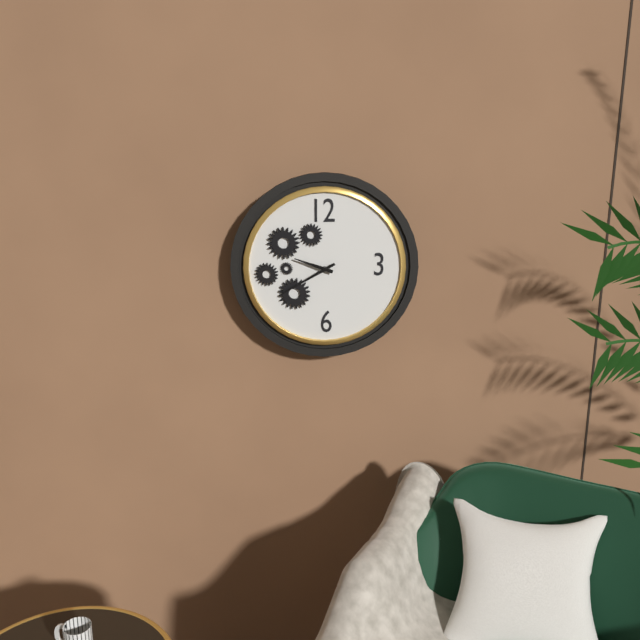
9.40
